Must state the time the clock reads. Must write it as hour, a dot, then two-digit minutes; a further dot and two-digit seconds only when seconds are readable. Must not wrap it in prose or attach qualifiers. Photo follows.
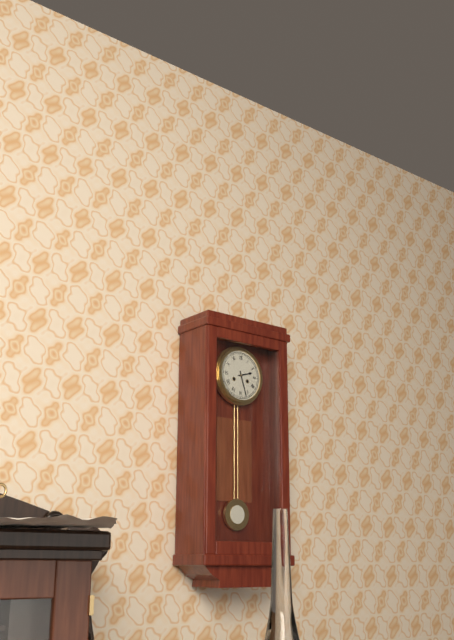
2.27
